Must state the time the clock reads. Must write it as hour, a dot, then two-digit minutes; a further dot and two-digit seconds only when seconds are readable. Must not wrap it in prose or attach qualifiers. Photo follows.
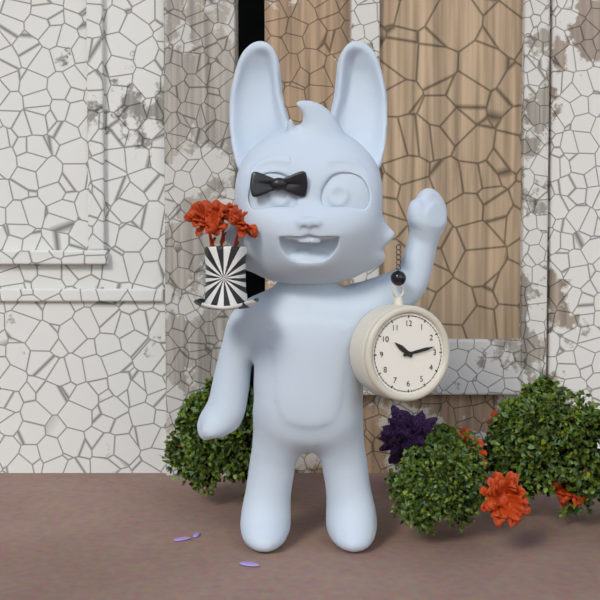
10.13
